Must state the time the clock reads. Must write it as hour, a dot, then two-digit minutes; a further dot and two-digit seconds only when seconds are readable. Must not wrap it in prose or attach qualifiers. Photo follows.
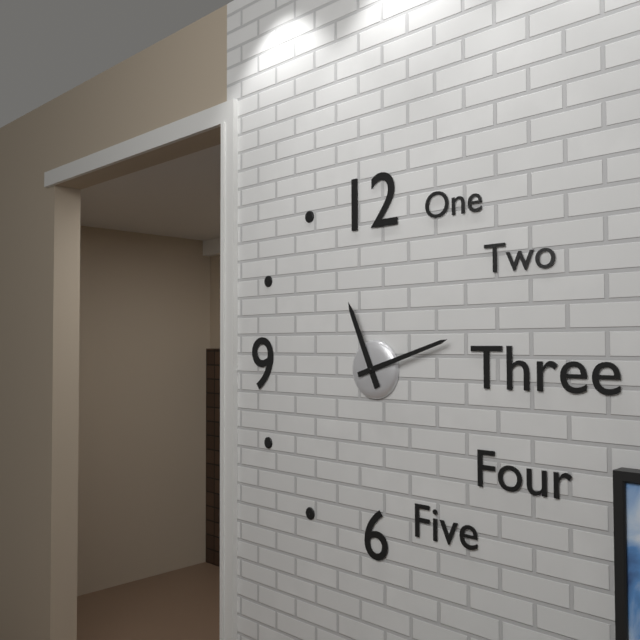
11.12
